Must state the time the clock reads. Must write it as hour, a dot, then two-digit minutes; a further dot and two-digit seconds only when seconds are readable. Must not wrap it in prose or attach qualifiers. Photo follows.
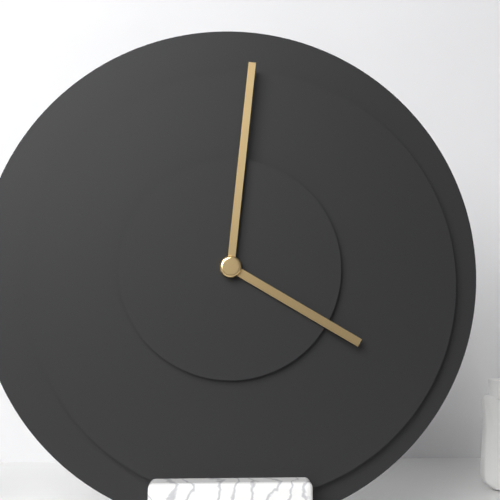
4.01
